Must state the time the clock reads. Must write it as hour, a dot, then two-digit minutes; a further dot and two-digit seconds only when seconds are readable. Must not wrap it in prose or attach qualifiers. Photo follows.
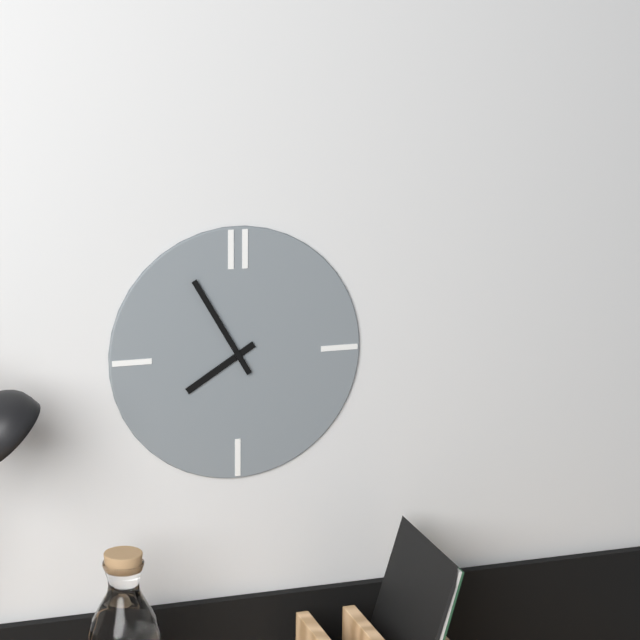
7.55
